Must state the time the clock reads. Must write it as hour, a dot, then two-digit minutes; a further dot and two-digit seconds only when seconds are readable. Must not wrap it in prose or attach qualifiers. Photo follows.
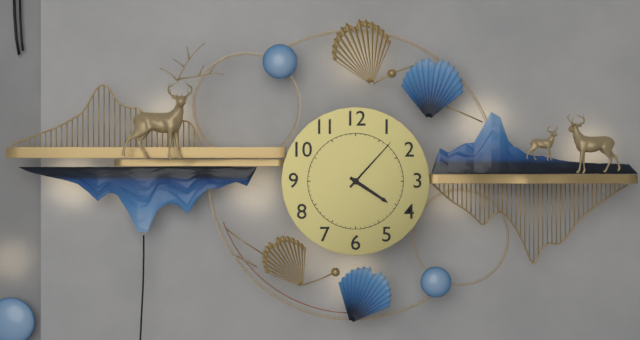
4.07
